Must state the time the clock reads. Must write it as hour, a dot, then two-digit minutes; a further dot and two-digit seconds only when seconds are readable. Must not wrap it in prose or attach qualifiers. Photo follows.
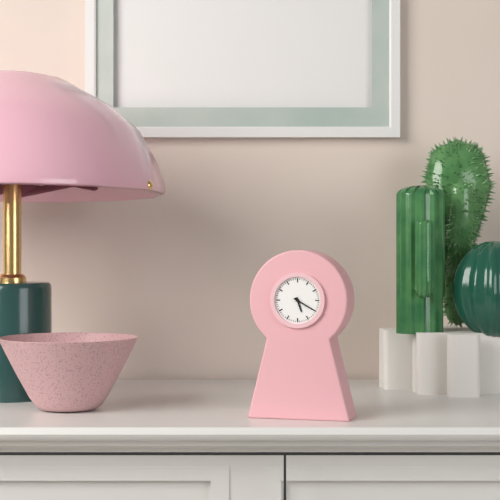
5.20
